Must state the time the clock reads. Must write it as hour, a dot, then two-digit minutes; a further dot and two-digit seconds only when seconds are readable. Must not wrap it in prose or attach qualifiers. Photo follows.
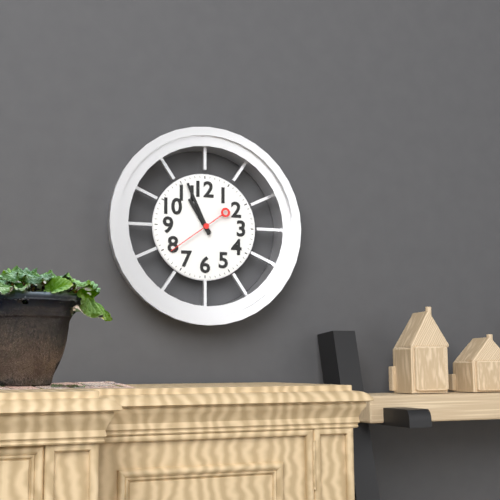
10.56.39
